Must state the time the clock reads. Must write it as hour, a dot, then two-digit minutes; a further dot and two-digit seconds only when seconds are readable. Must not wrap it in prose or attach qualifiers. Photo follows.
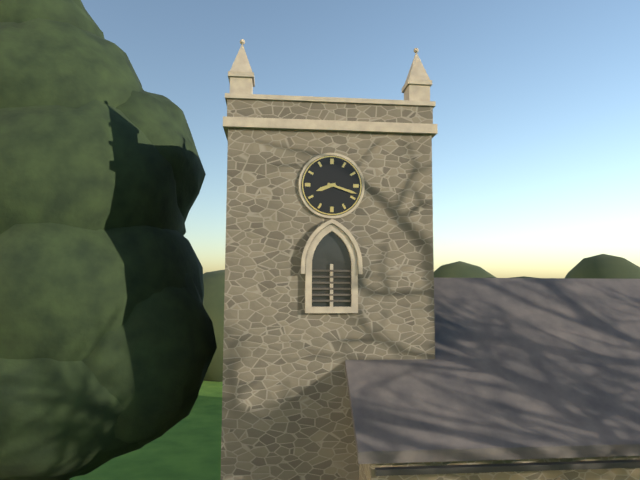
8.18
